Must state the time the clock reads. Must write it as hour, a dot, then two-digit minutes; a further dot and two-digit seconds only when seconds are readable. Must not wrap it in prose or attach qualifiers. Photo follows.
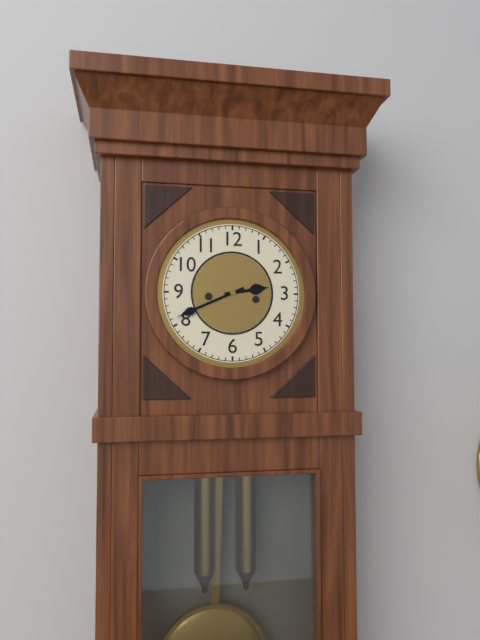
2.41
